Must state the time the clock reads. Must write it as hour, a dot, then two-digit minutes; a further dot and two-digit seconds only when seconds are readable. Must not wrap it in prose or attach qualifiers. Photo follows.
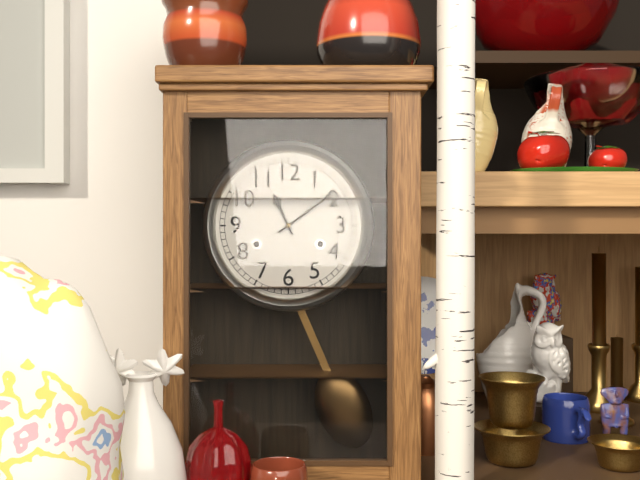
11.09
